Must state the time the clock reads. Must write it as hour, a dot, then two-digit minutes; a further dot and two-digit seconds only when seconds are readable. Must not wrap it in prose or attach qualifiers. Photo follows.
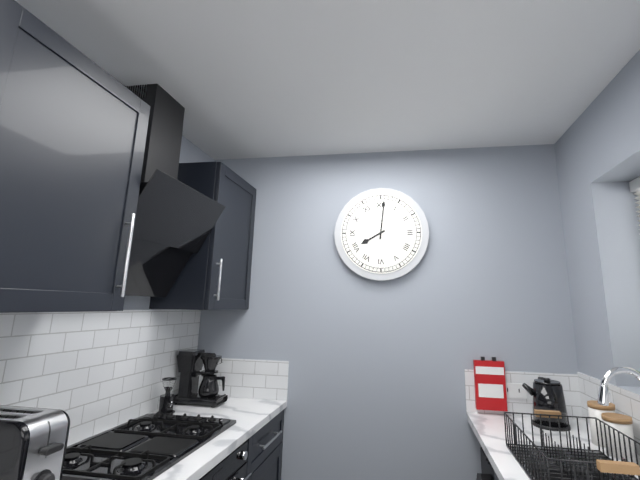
8.01
